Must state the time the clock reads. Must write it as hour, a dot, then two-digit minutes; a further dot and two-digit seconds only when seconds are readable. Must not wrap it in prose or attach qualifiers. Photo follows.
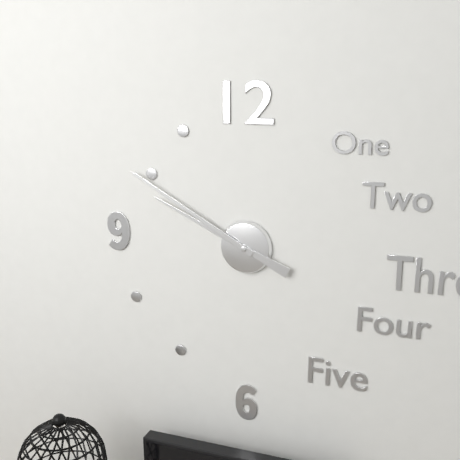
9.50
